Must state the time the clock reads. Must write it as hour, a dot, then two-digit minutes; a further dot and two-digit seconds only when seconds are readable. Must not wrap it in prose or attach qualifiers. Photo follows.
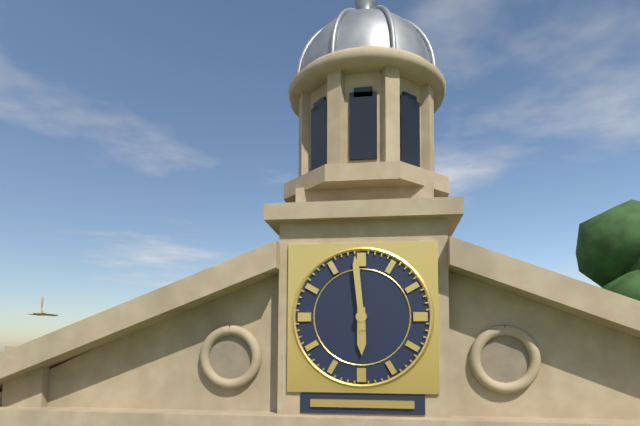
5.59
